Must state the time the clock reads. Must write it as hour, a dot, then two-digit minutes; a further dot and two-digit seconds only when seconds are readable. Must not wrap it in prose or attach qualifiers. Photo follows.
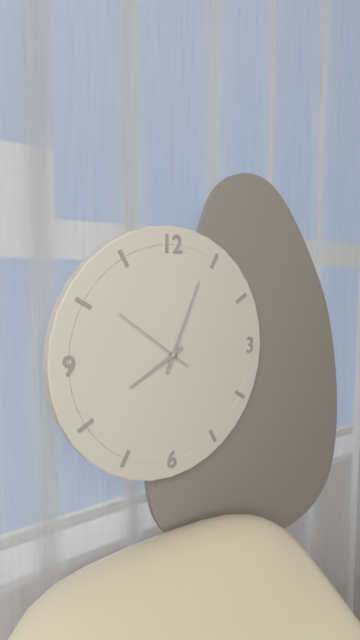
8.04.51
